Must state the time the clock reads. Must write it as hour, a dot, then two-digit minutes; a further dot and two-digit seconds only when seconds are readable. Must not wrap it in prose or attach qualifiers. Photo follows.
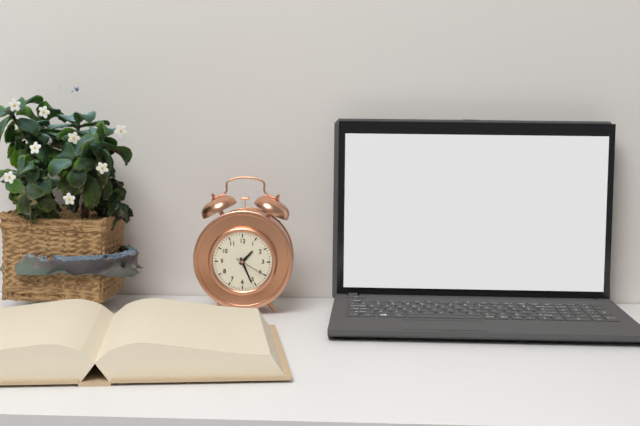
1.26
